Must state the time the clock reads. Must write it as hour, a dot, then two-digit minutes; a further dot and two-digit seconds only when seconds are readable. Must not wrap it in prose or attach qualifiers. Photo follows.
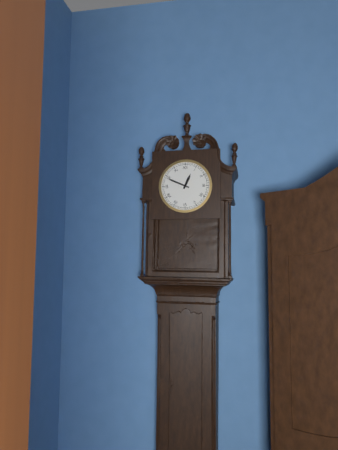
12.49
